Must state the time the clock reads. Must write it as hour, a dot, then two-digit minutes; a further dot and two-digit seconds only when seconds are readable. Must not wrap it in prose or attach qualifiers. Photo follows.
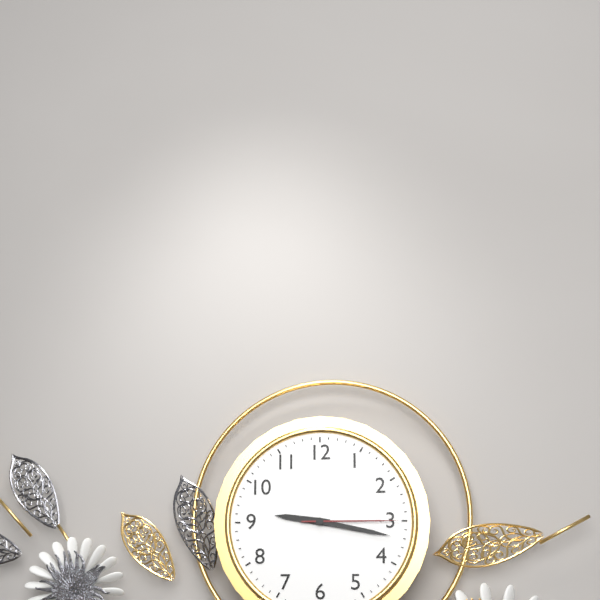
9.17.15
